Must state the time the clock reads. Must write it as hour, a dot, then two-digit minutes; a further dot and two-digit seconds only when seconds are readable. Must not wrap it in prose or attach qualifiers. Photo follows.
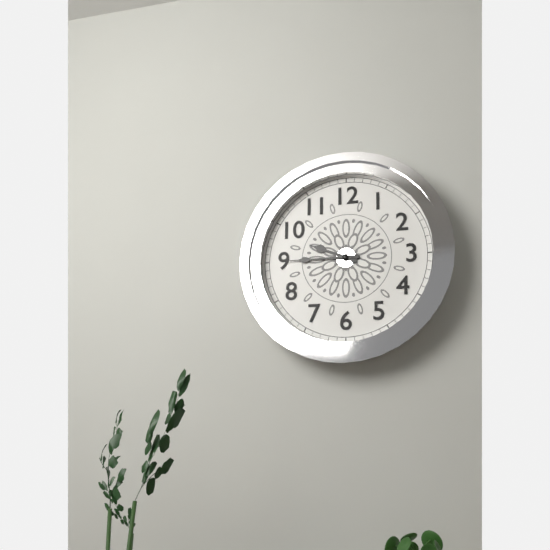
9.45
